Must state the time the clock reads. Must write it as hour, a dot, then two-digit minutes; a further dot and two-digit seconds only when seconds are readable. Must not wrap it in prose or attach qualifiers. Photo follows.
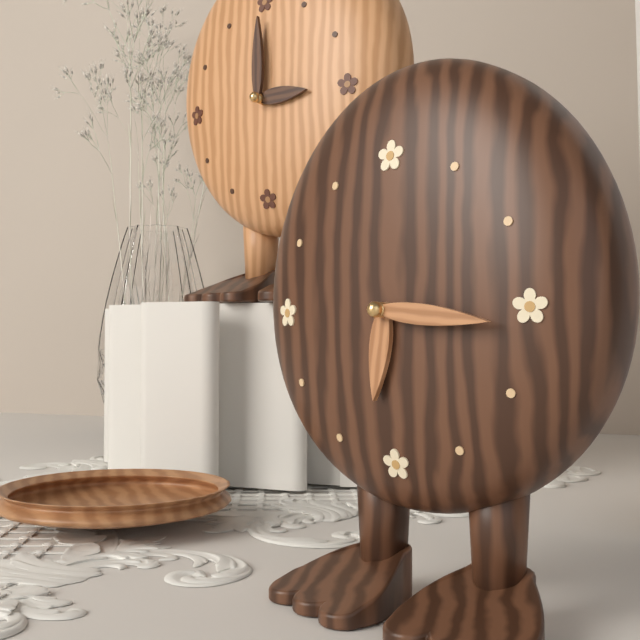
6.16
